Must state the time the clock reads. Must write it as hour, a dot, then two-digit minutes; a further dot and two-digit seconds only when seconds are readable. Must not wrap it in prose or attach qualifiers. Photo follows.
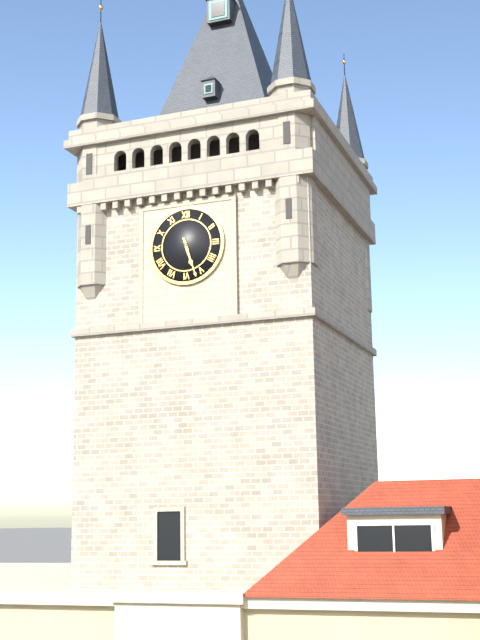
5.27
